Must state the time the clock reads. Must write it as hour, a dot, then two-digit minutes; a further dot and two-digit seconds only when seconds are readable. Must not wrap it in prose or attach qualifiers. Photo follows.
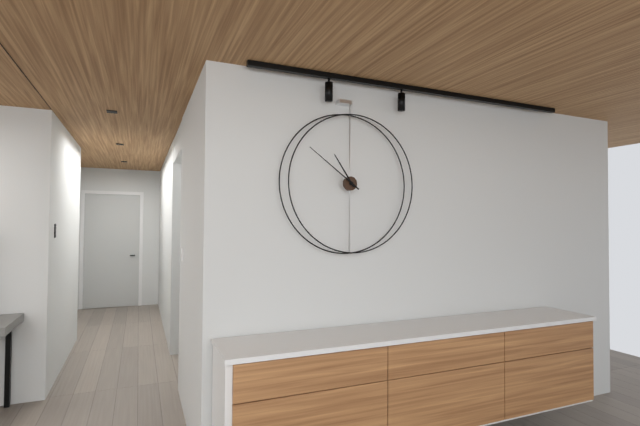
10.51
